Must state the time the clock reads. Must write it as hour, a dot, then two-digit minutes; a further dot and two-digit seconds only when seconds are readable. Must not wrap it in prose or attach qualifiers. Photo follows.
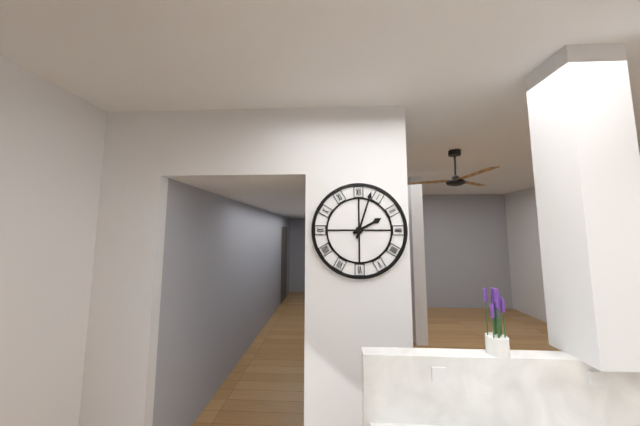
2.03
